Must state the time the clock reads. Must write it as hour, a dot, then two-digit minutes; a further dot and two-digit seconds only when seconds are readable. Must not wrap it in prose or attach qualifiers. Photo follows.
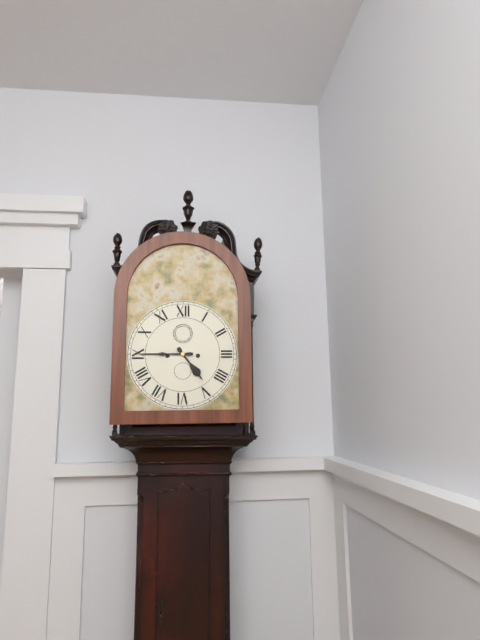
4.45
